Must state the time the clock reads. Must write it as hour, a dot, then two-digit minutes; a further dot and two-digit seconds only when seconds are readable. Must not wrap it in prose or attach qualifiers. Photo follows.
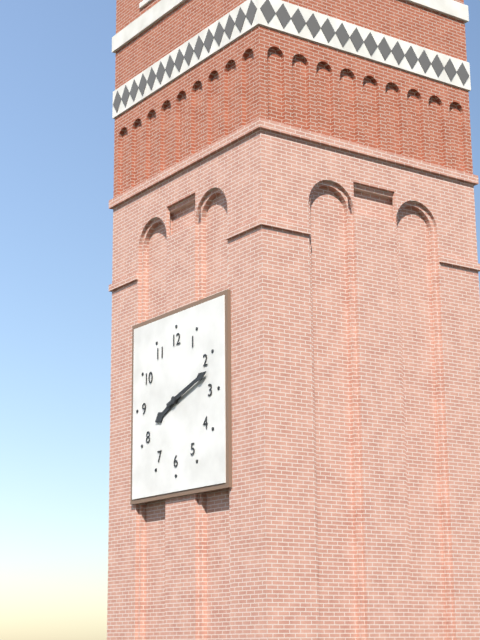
8.12
